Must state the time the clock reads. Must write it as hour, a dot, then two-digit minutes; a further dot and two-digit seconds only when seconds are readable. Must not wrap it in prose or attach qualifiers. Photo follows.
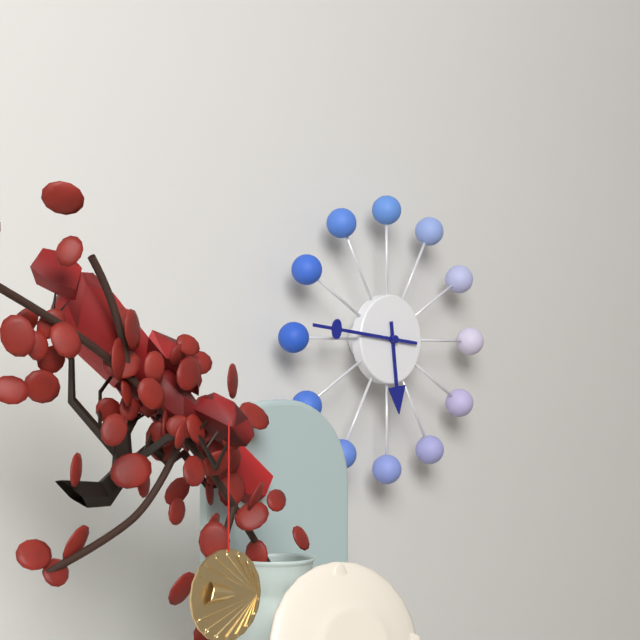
5.46
